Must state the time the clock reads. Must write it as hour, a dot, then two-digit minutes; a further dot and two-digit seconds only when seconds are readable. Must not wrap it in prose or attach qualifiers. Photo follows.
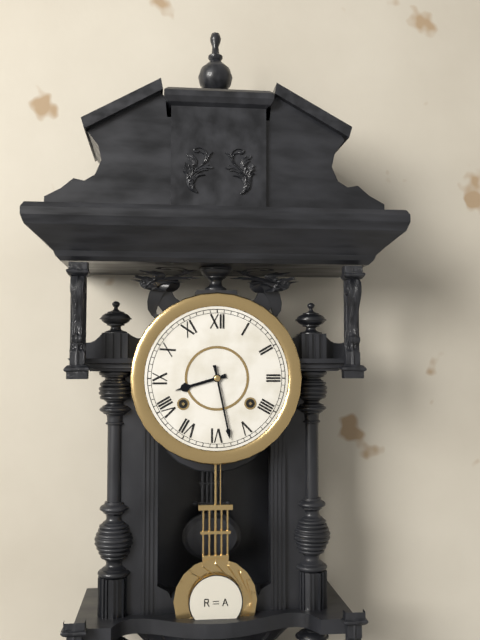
8.28
